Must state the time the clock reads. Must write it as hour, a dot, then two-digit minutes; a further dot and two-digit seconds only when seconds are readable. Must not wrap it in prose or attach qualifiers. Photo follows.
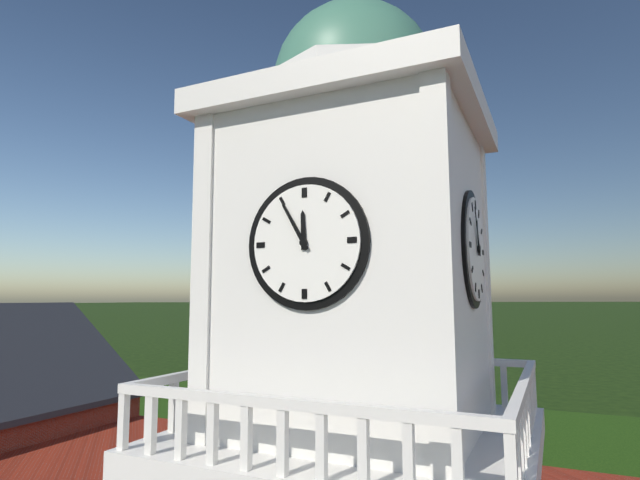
11.55
